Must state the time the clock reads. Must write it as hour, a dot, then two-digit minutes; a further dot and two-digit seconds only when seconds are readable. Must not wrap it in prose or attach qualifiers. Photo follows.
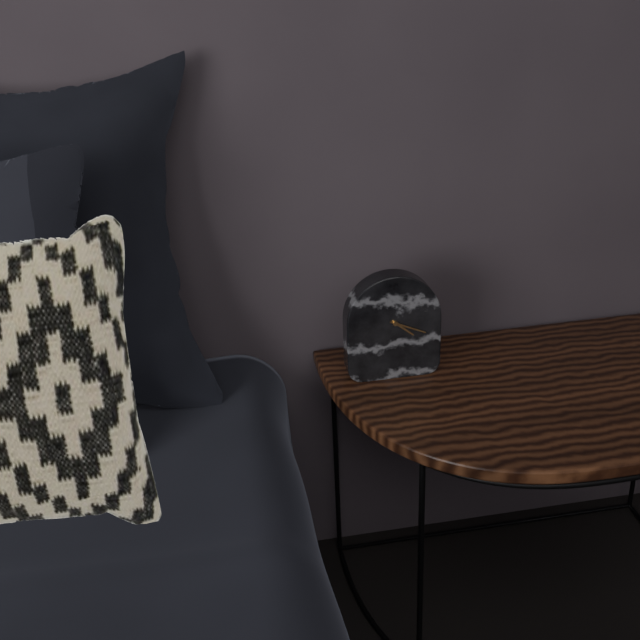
4.19
